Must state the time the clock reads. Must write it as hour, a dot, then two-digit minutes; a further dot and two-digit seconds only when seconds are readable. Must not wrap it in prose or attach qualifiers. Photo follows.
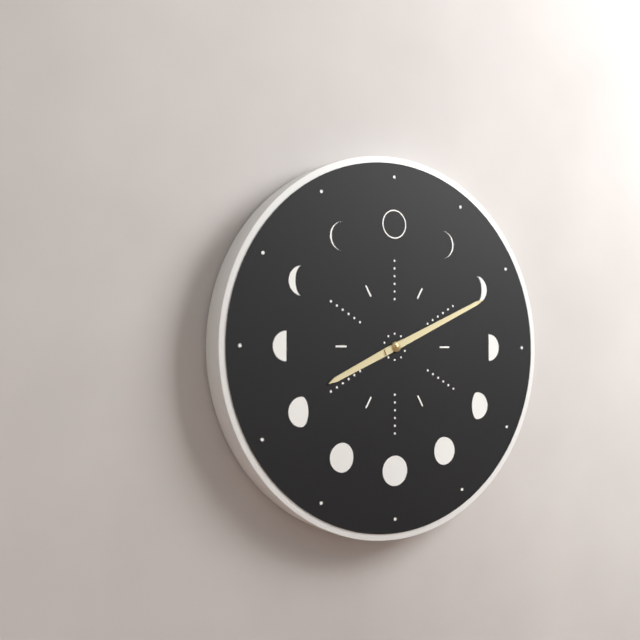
8.11
